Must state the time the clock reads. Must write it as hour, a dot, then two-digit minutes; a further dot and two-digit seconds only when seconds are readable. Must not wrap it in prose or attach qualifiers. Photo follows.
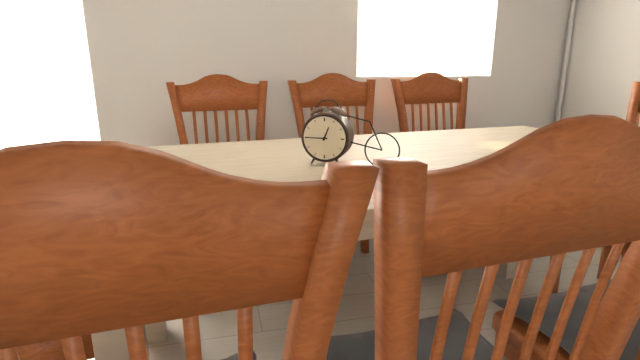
12.45
